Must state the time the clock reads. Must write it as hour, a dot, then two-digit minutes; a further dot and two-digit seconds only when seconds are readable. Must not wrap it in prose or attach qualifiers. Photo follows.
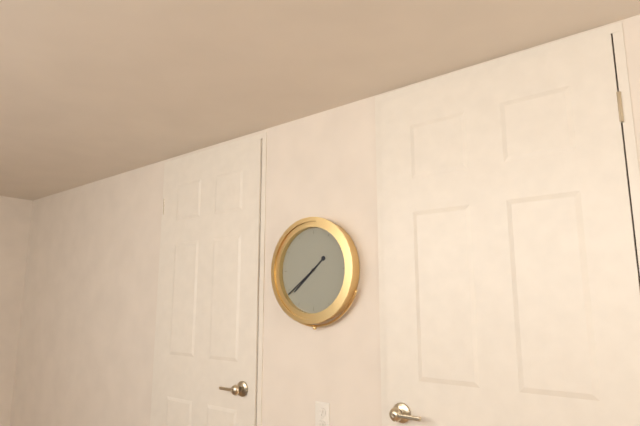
7.39
